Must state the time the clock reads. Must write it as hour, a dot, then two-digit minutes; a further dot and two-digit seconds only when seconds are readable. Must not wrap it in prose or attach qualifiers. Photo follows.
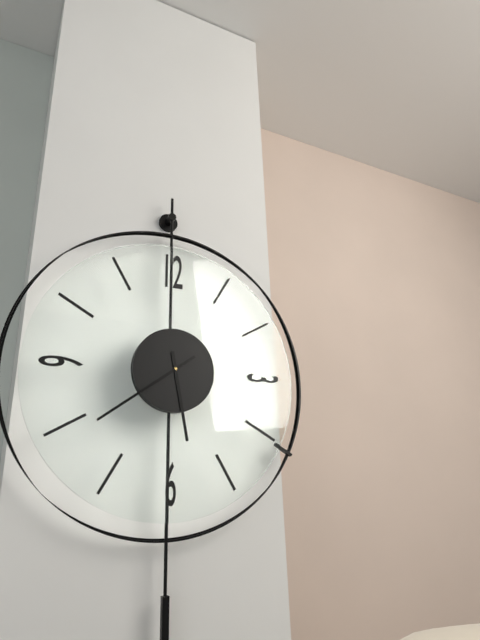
5.39
